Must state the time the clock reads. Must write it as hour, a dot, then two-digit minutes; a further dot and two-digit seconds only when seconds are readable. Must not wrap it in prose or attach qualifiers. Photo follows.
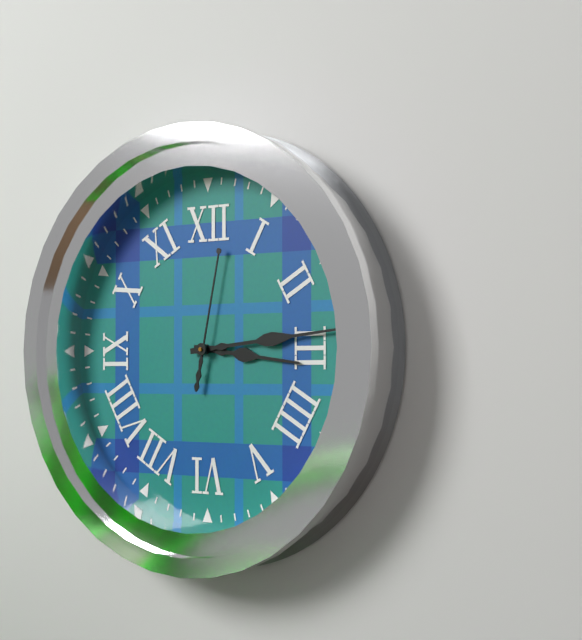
3.14.02
